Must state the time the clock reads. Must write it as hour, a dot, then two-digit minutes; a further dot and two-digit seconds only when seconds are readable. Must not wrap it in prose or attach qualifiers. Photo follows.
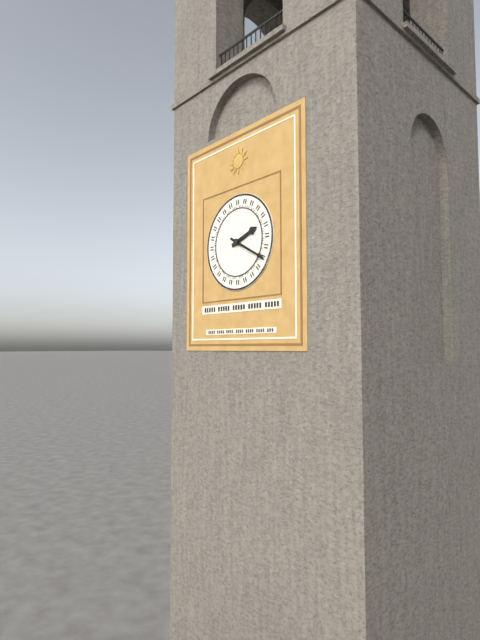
2.20
